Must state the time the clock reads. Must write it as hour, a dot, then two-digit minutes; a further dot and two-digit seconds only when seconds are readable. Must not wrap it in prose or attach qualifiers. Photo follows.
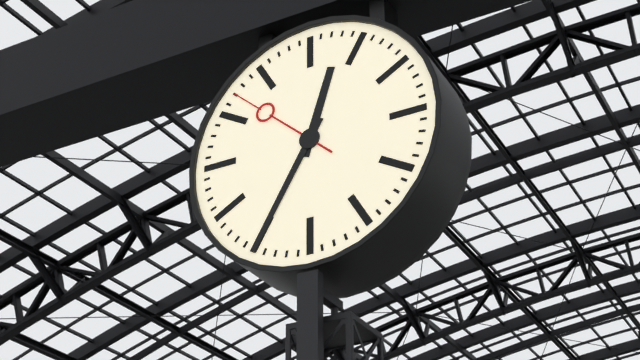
12.35.52
